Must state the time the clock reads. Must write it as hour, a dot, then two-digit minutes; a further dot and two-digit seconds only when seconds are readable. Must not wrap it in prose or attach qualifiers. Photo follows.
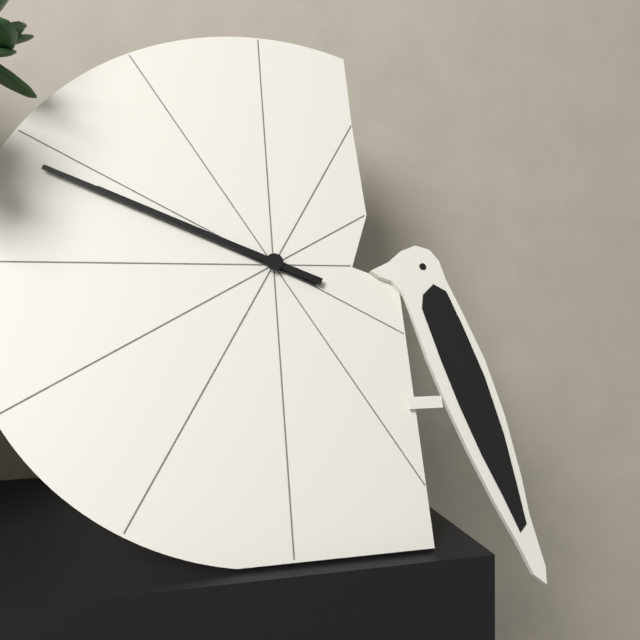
9.49
